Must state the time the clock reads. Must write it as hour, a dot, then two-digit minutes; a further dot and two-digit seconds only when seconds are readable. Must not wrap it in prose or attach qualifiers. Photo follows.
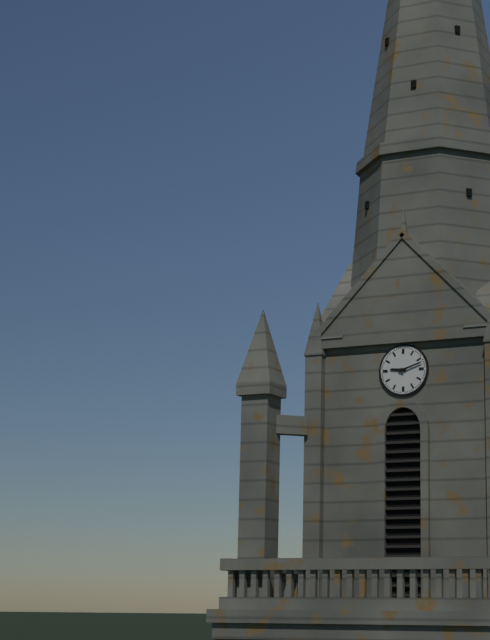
9.12
